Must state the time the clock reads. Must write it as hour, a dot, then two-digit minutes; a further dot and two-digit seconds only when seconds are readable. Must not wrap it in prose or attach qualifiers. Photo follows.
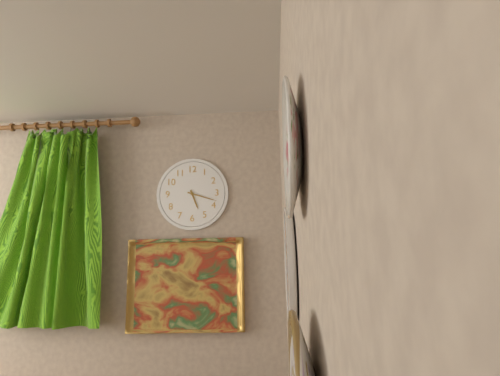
5.18
